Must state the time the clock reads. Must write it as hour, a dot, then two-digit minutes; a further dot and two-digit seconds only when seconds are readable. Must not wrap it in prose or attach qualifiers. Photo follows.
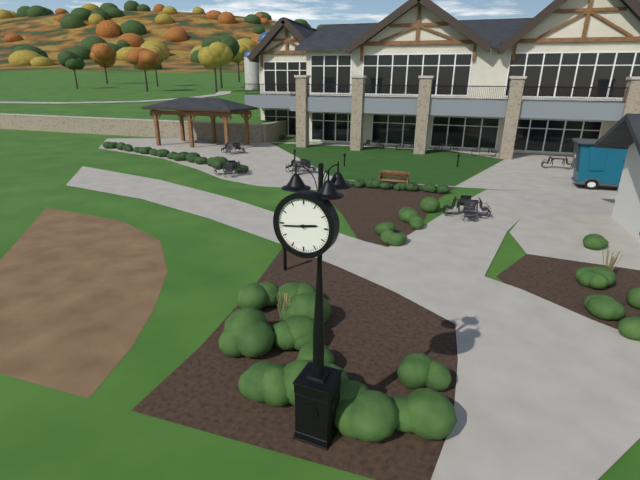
2.44
